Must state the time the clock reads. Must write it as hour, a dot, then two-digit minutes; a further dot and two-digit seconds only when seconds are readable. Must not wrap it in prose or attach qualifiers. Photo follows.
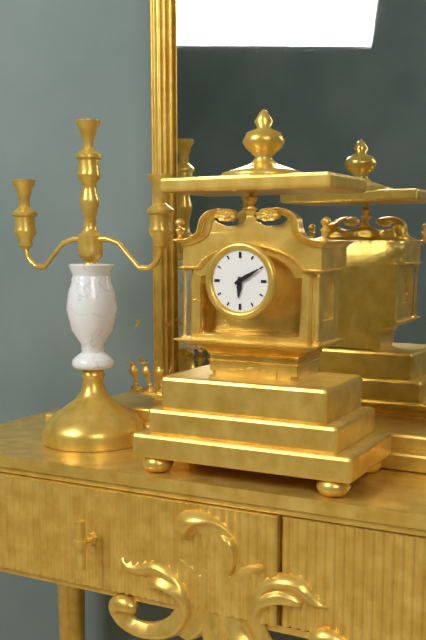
6.10
